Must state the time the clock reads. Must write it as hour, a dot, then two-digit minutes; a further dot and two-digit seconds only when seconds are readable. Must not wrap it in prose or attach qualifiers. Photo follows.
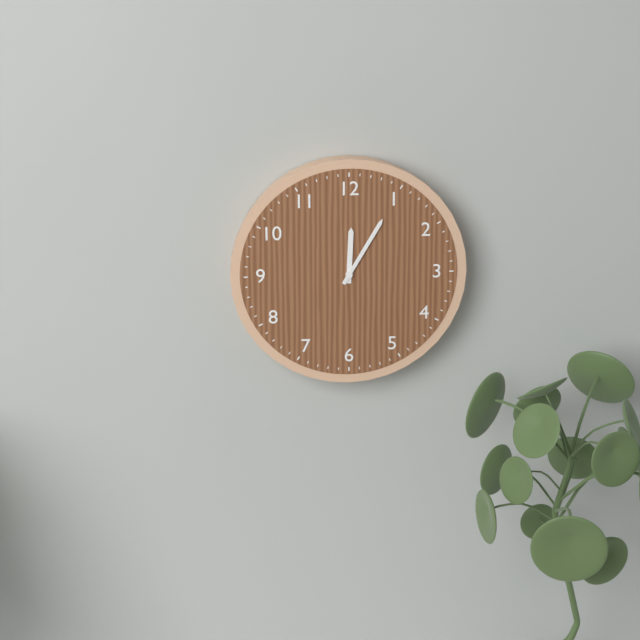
12.05
